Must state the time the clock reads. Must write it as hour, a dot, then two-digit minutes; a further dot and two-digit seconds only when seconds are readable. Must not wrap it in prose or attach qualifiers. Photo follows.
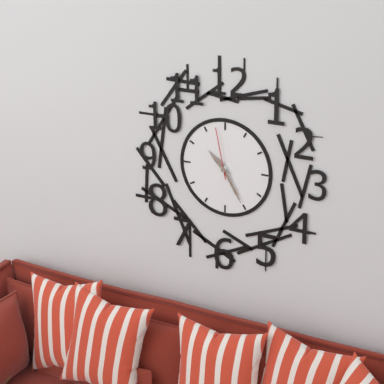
10.25.58
